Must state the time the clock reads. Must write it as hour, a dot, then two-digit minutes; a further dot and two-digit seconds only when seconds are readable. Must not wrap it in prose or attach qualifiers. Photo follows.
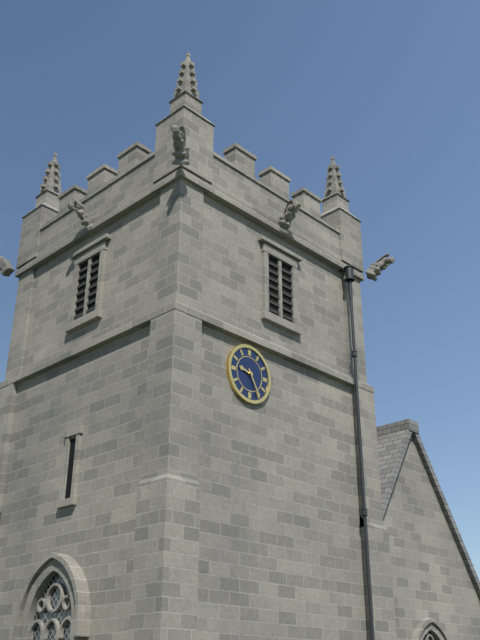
9.25
